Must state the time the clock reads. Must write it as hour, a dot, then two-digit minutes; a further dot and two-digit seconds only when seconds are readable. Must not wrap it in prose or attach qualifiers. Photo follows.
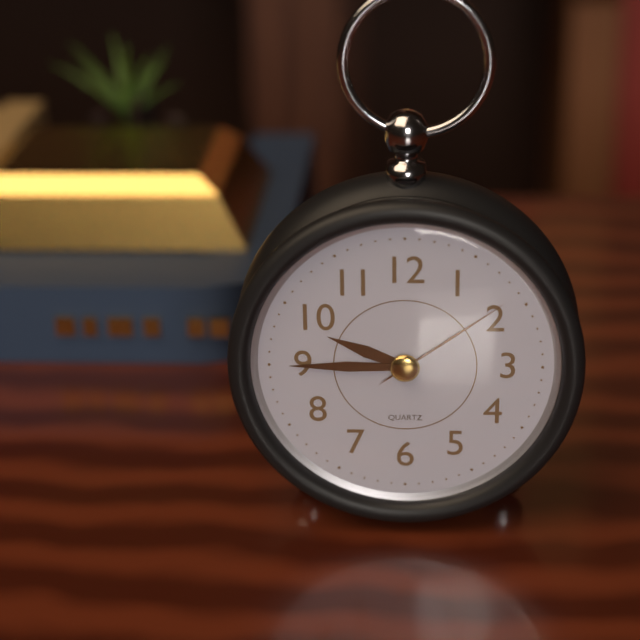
9.45.09
